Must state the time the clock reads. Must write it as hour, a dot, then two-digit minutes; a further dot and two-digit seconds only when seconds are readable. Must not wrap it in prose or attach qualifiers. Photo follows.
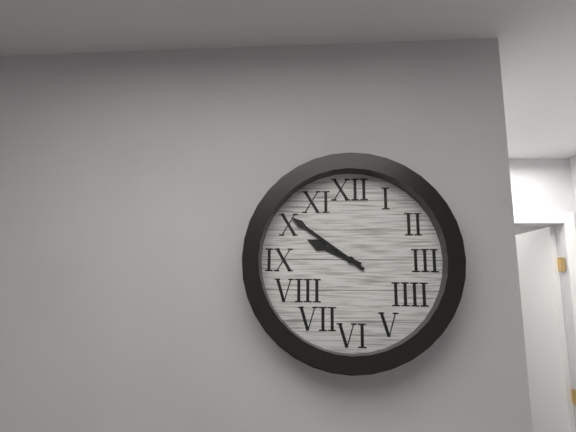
9.51
